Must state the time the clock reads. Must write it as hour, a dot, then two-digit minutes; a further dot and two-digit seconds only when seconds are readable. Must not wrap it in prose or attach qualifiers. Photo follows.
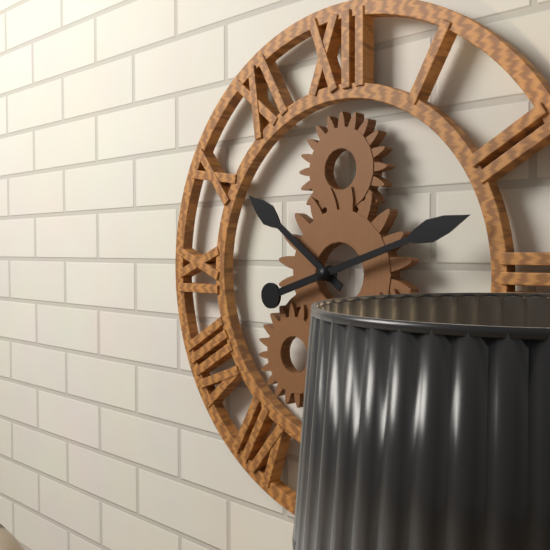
10.12
